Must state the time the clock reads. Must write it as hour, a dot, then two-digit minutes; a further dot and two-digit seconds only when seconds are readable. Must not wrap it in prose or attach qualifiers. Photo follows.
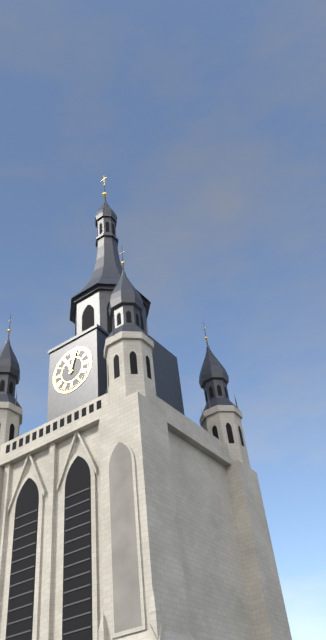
11.03
